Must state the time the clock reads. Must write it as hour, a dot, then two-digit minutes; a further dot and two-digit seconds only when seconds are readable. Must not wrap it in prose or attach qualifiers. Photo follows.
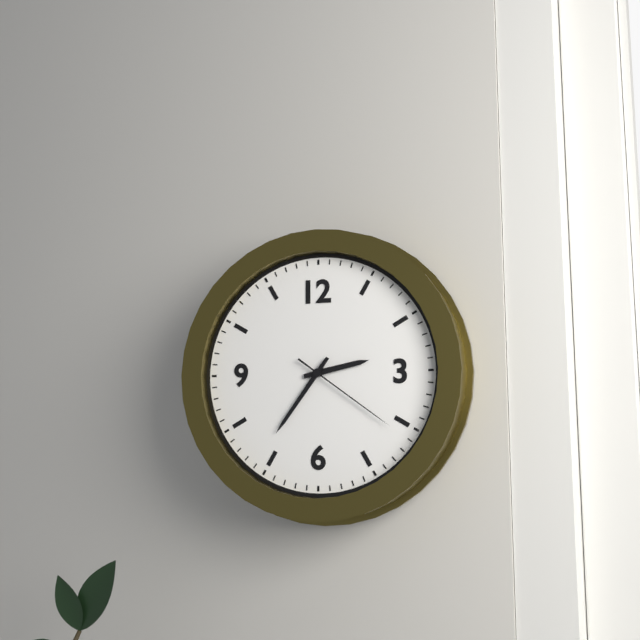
2.36.21
